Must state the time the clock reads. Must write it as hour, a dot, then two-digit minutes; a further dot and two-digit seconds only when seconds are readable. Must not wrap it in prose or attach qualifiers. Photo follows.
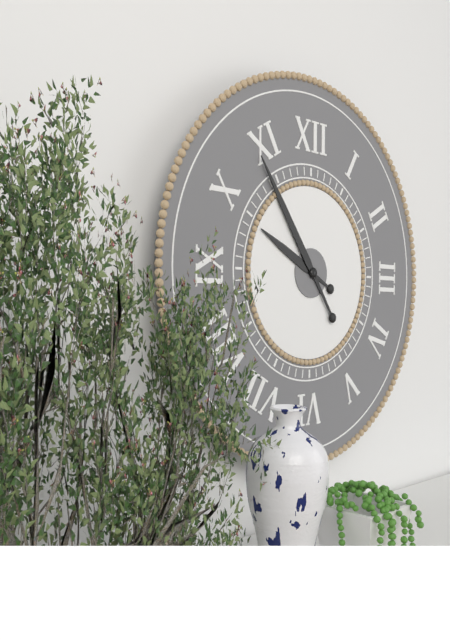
9.54
